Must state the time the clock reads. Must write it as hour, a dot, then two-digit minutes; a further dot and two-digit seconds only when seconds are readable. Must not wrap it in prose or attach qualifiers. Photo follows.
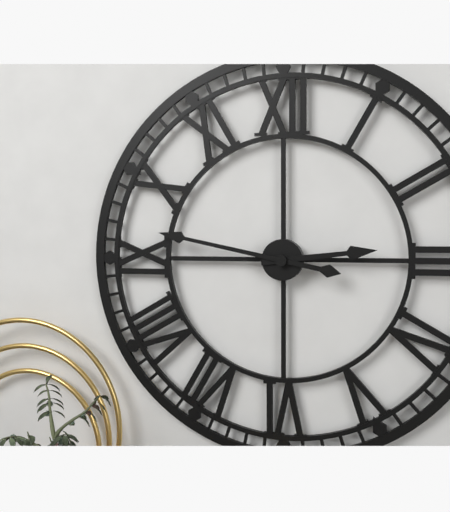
2.47
